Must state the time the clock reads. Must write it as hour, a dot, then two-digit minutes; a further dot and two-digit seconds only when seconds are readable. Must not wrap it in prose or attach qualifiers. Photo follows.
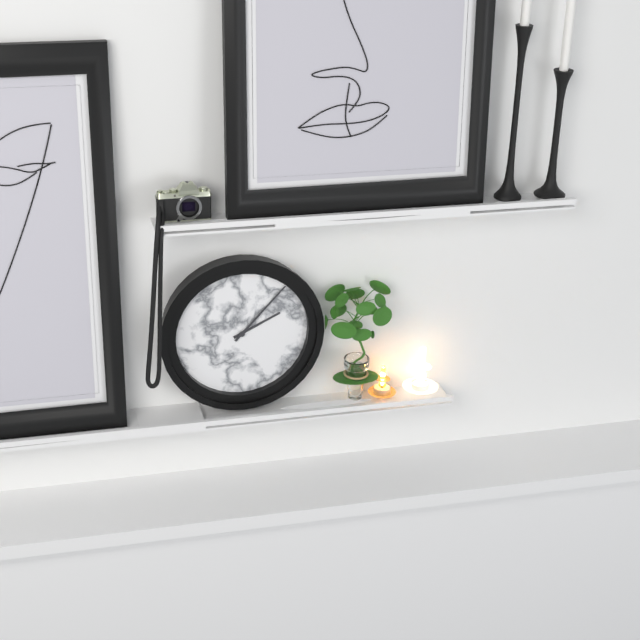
2.07
